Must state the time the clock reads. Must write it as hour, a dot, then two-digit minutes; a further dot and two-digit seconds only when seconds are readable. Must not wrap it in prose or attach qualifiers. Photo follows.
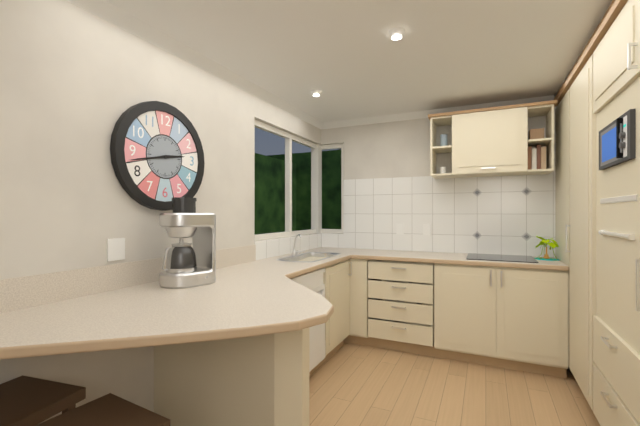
2.43
